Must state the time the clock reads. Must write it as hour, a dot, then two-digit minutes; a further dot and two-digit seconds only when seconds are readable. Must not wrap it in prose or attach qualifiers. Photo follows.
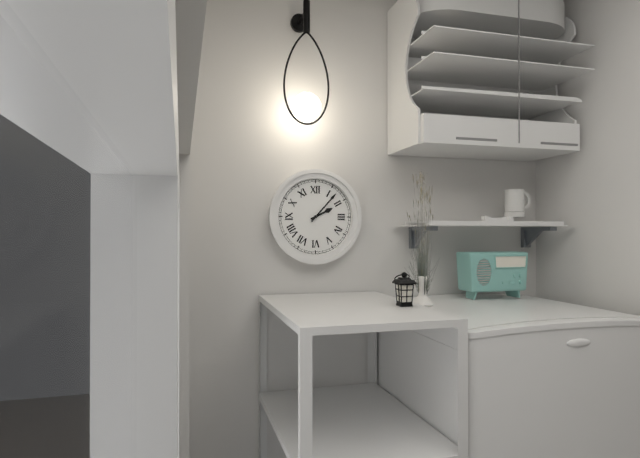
2.07
